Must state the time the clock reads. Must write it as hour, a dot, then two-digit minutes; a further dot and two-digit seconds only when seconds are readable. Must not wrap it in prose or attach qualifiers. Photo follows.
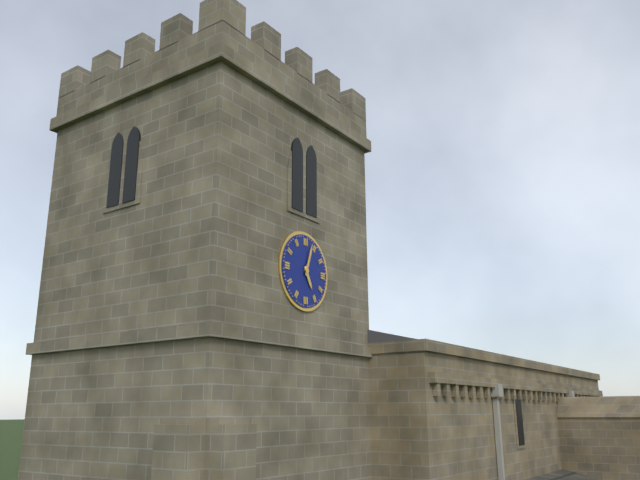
5.03
